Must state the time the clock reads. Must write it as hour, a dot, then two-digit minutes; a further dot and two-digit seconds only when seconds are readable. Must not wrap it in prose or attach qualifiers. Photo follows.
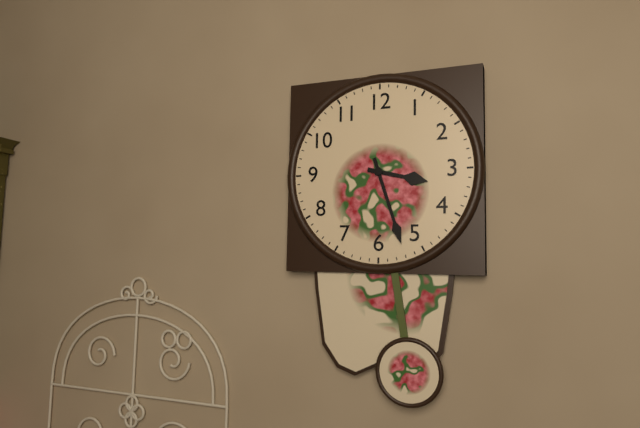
3.27
